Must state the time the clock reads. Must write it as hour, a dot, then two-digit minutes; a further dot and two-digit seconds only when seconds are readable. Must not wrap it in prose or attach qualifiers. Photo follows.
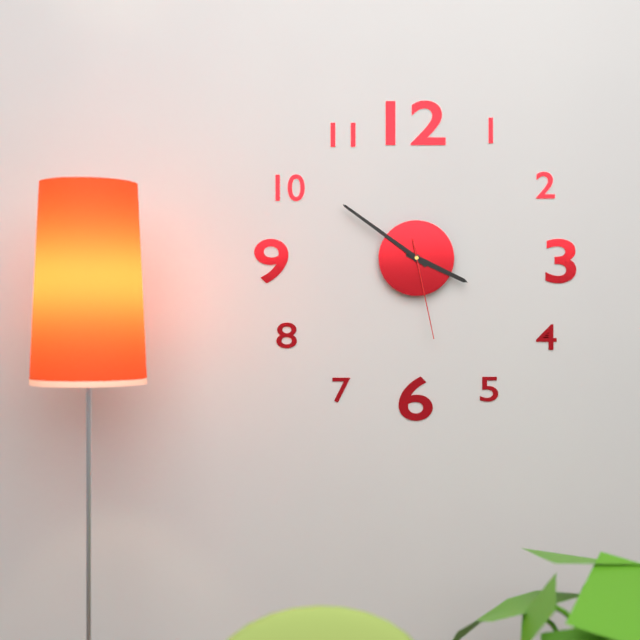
3.51.28
